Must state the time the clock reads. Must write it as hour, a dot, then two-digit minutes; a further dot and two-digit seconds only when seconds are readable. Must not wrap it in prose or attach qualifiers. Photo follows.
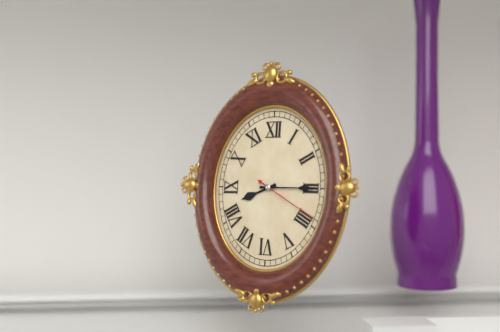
8.15.20
